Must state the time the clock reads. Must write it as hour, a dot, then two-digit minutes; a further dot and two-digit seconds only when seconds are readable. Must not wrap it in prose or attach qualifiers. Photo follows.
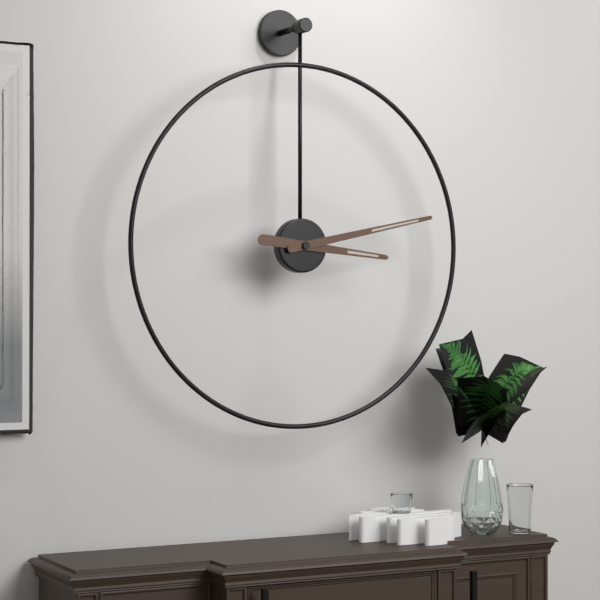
3.13
